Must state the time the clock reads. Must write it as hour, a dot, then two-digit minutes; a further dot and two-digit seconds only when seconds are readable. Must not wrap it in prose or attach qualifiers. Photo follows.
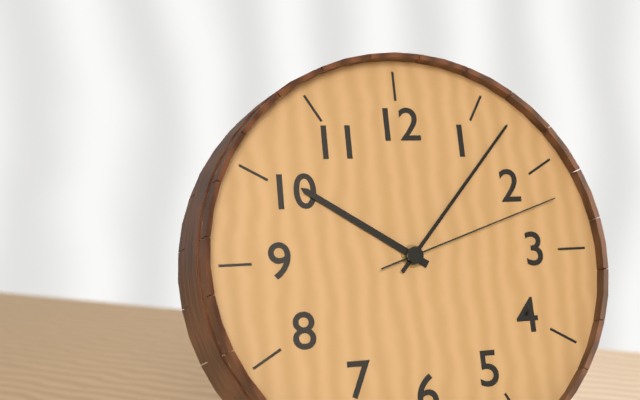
10.07.12
